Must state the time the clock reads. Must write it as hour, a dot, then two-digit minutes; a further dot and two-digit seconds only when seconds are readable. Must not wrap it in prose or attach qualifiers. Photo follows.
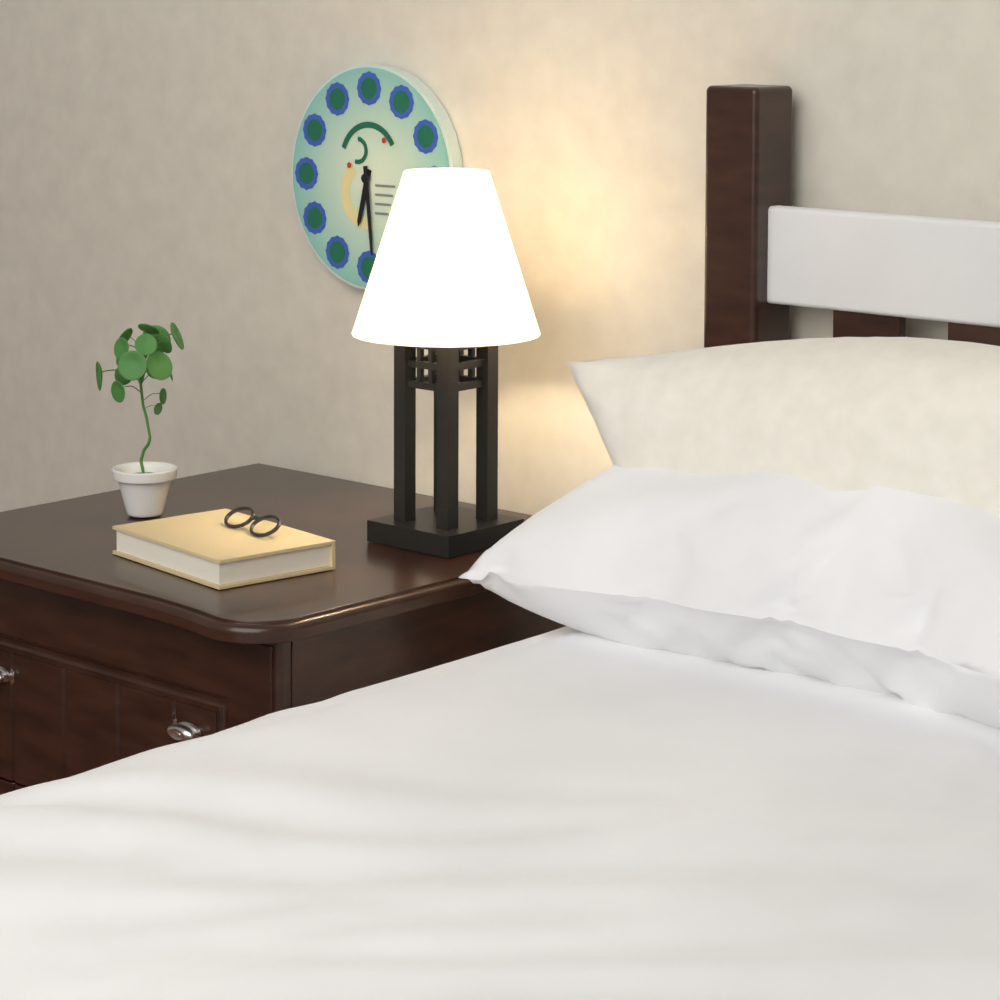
6.29
